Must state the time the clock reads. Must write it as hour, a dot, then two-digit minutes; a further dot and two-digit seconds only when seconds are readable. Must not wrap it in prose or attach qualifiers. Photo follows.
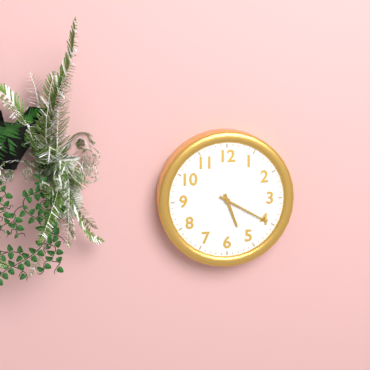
5.20
